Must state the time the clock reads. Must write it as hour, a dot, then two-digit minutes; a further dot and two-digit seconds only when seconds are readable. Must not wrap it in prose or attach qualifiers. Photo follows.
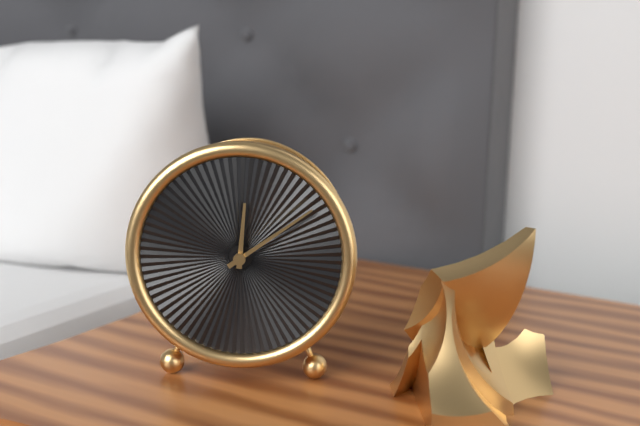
12.09
